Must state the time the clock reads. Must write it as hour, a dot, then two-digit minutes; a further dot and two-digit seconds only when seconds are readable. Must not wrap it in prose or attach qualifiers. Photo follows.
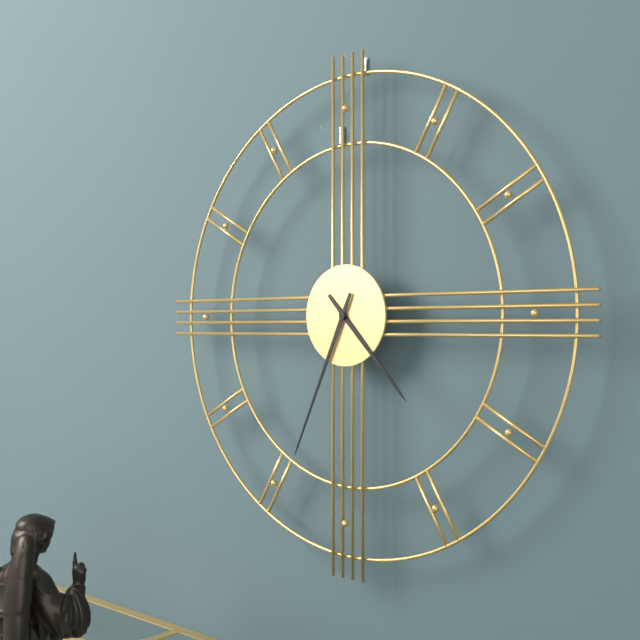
4.34
